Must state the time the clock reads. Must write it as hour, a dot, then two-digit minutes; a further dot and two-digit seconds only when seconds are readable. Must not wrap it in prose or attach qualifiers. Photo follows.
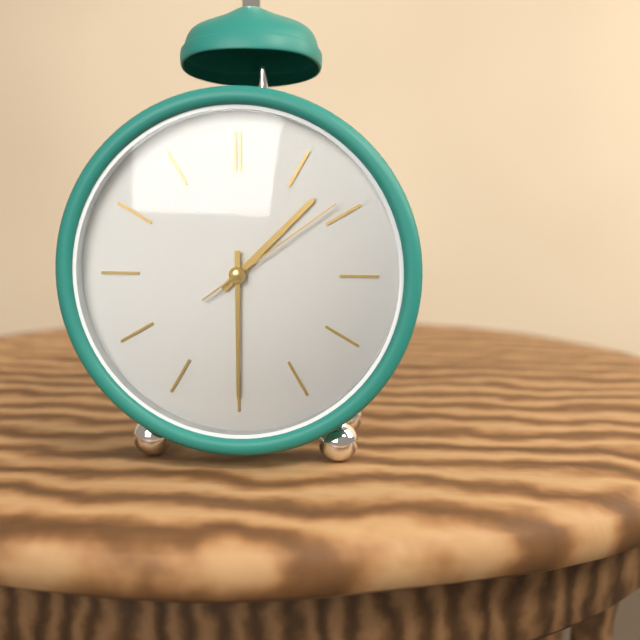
1.30.09
